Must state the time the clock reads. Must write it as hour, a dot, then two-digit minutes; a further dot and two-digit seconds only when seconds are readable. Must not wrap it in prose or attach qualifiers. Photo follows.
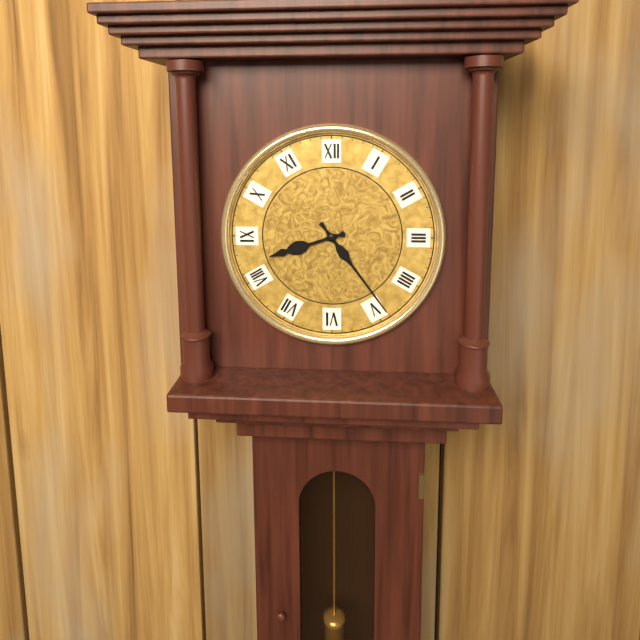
8.24
